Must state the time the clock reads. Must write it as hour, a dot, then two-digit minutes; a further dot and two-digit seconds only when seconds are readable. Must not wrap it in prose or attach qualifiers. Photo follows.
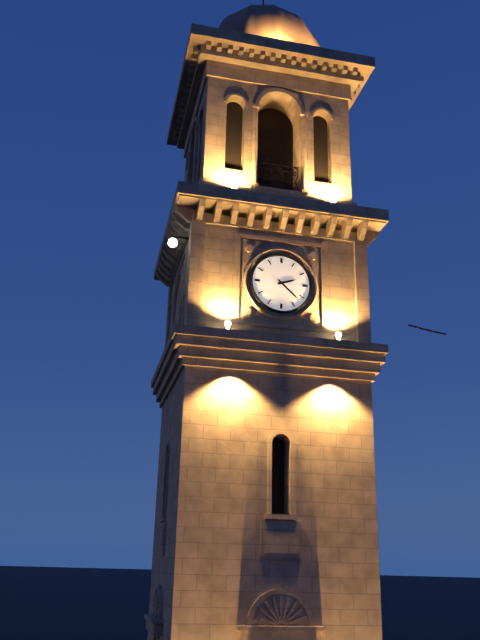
2.22
